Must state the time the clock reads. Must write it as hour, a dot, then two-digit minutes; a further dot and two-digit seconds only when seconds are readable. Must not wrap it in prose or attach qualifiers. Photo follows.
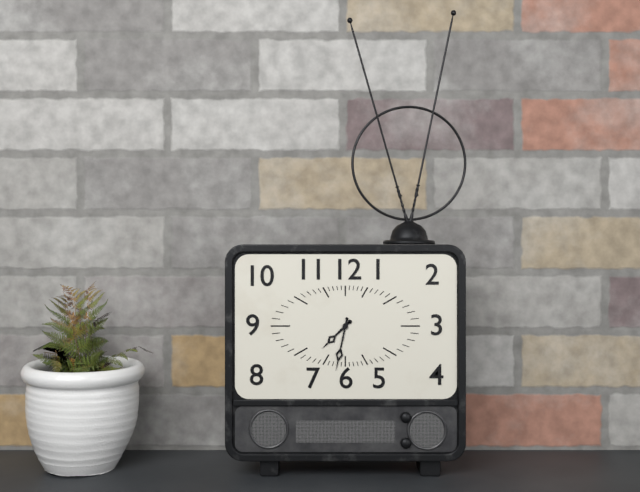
7.32
